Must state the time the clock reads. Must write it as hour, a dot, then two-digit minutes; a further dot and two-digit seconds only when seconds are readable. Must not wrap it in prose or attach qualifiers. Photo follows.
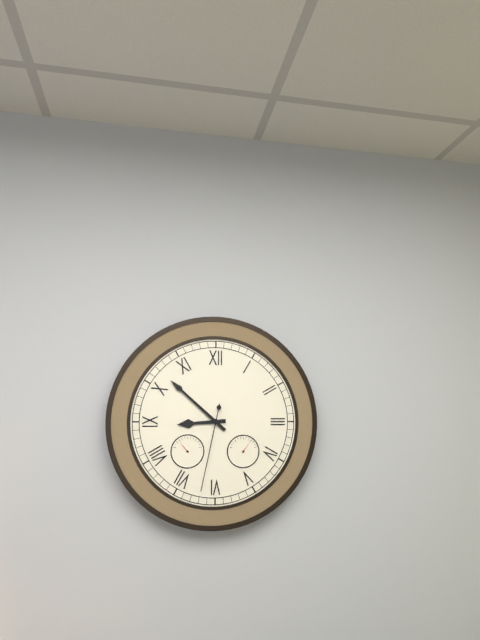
8.52.32
